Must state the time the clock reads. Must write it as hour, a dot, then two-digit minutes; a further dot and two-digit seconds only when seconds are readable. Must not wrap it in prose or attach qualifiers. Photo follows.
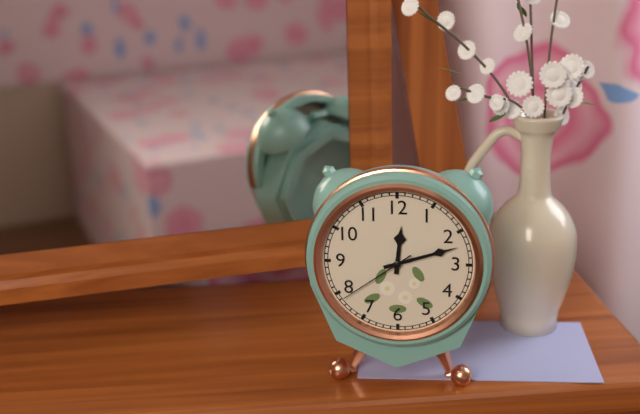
12.12.39
